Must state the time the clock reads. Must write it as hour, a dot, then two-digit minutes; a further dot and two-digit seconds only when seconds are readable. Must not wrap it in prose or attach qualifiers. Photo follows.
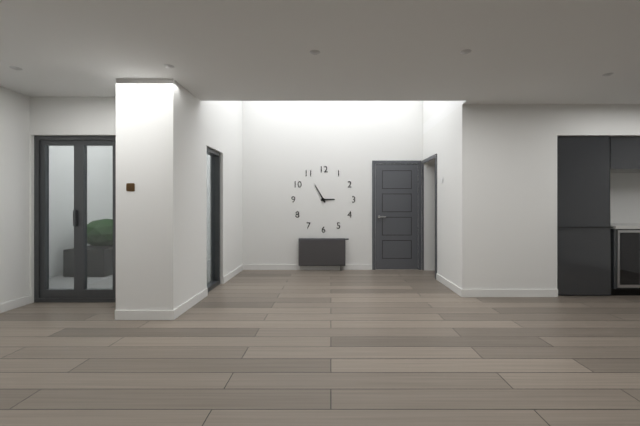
2.55
